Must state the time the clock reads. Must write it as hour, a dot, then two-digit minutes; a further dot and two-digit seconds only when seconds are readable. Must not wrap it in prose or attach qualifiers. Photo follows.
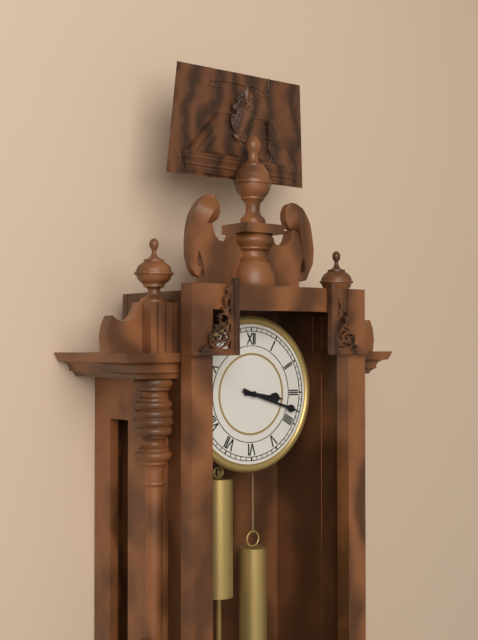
3.18
